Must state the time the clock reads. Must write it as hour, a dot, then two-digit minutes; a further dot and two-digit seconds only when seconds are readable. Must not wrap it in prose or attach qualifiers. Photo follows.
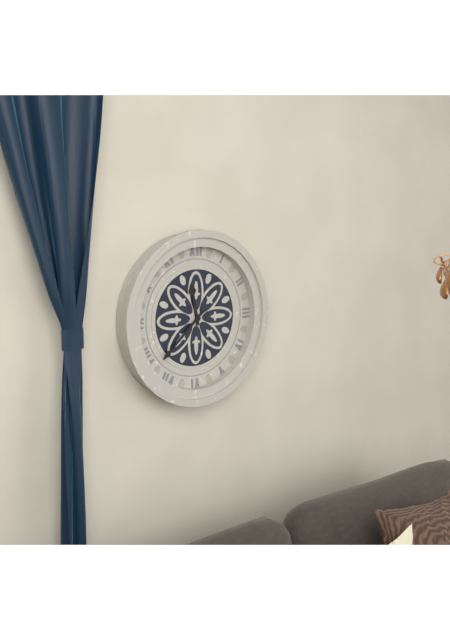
11.38
